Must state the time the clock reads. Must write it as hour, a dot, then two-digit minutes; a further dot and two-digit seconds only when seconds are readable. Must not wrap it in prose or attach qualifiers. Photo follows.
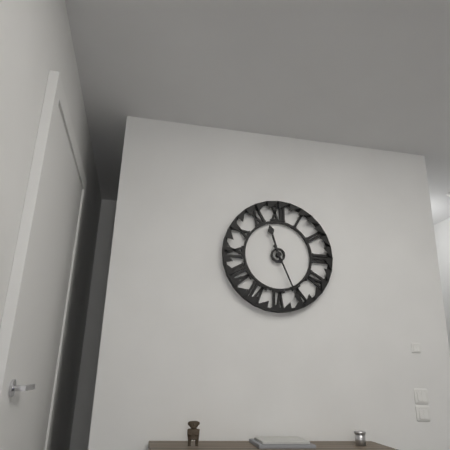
11.26
